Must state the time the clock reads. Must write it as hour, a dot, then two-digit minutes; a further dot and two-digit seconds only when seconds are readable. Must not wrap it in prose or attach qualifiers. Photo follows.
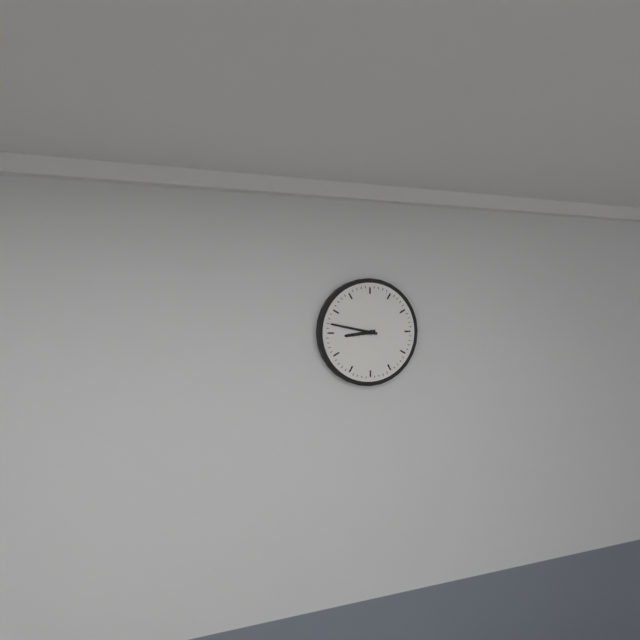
8.47
